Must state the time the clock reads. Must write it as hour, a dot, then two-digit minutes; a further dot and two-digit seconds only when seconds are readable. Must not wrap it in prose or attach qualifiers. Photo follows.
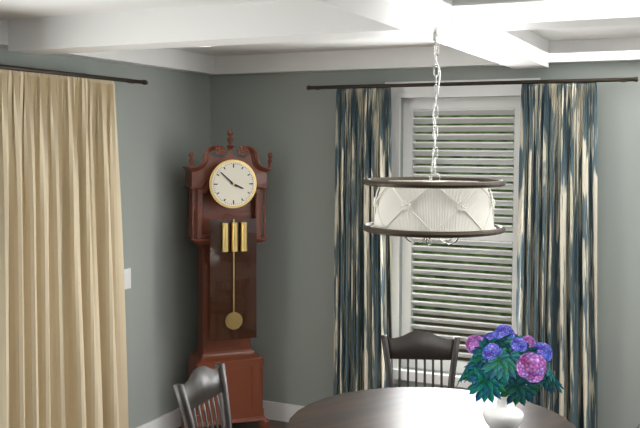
3.52
